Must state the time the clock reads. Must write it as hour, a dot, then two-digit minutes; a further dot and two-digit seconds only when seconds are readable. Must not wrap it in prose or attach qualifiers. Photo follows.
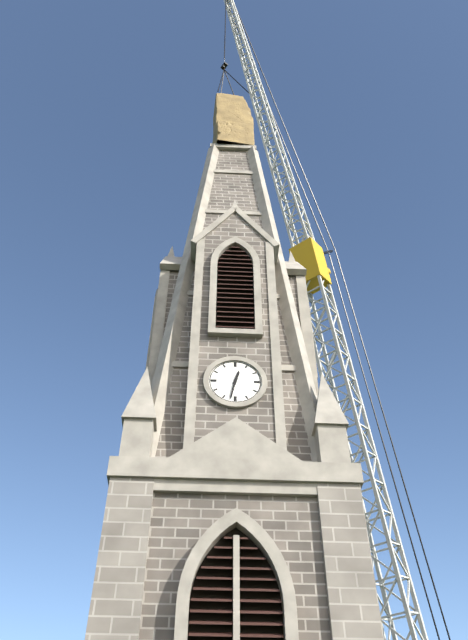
12.32
